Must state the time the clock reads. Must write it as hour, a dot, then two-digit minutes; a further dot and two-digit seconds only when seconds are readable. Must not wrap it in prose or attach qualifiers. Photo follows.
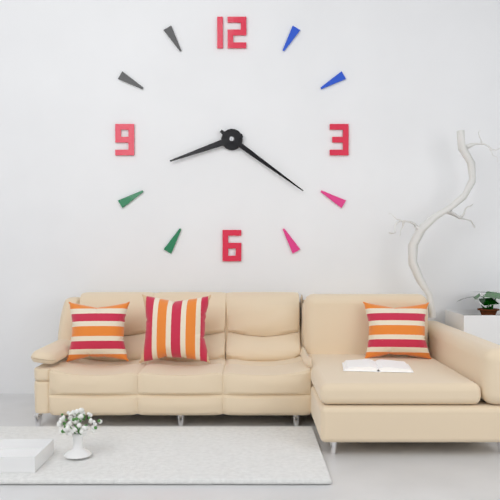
8.21
